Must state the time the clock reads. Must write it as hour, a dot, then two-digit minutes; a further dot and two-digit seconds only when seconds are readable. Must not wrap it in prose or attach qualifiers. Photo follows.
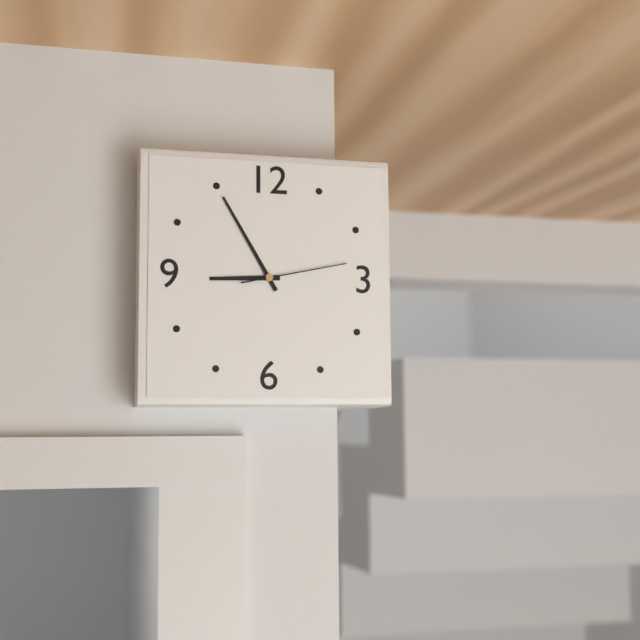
8.55.13
